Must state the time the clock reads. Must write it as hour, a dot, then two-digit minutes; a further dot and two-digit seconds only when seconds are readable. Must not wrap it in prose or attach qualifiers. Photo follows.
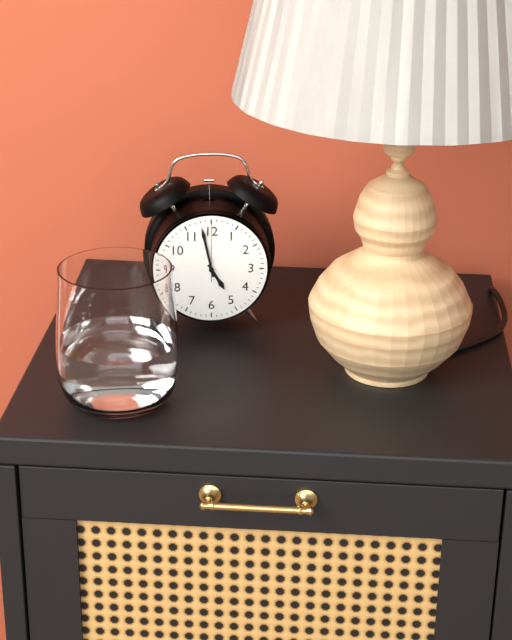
4.58.00
